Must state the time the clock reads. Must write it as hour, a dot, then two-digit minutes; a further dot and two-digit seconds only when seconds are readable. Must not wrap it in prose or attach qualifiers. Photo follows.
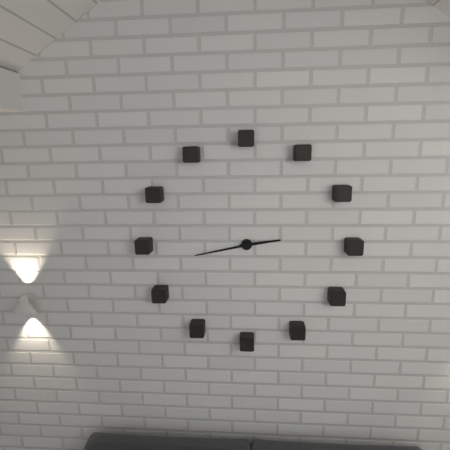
2.43
